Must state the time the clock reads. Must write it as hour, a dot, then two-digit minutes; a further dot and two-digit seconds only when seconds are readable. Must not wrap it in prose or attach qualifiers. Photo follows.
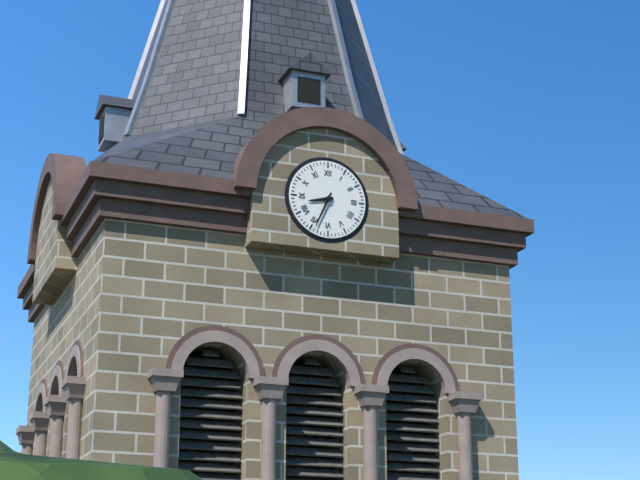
8.34
